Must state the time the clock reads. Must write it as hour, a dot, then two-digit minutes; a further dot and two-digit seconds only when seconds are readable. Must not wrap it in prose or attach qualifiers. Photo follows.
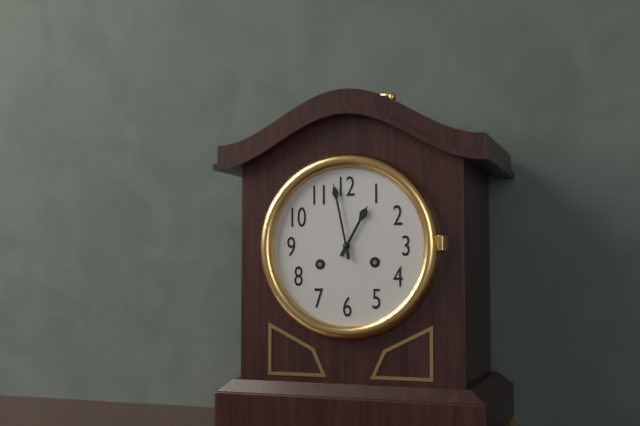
12.58
